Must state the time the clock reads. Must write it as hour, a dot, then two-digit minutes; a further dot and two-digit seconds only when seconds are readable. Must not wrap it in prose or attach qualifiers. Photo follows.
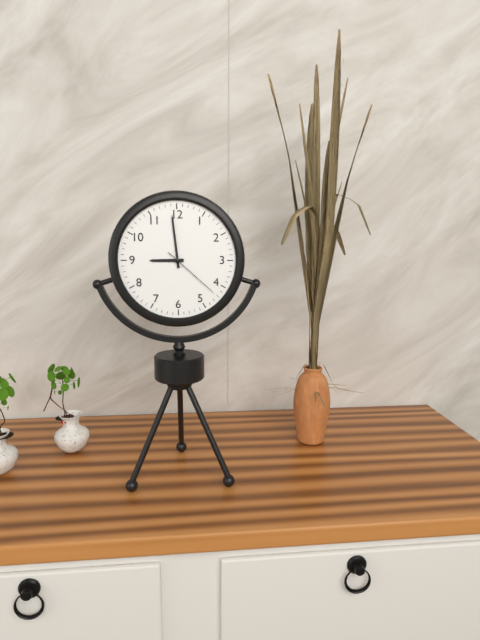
8.59.22
